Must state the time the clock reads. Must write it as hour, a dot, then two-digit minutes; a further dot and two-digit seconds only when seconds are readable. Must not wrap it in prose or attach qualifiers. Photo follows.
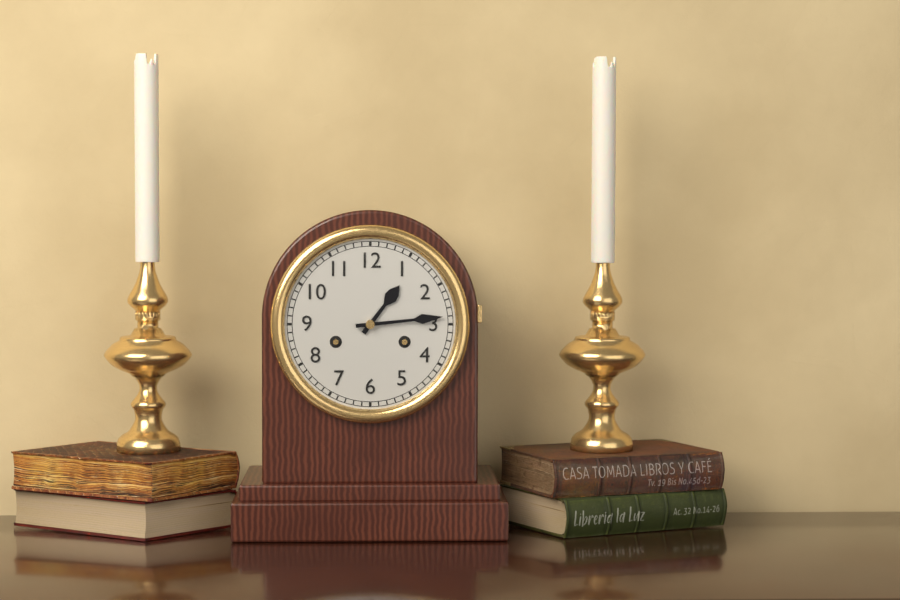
1.14
